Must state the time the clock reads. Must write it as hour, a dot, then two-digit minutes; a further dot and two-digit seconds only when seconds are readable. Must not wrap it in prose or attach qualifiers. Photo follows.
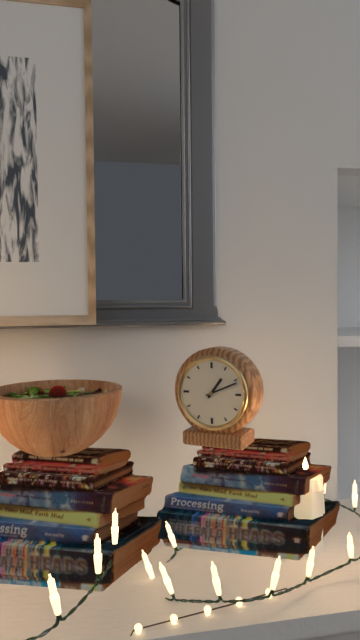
1.11
